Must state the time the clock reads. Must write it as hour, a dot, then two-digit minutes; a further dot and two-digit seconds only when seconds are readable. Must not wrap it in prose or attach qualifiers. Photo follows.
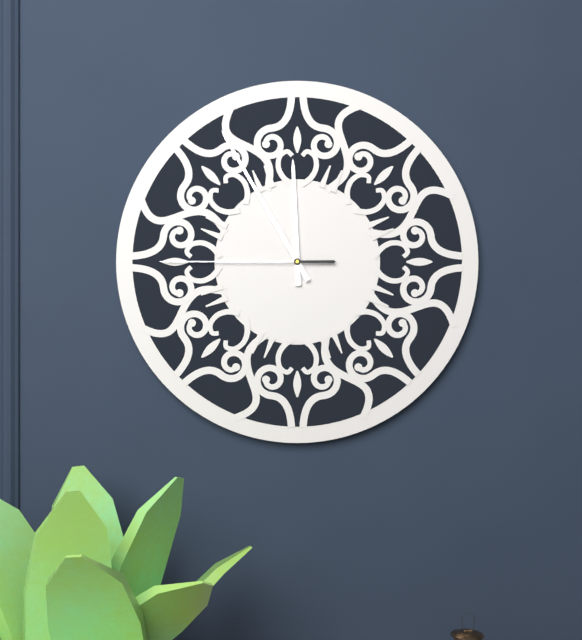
11.55.45
